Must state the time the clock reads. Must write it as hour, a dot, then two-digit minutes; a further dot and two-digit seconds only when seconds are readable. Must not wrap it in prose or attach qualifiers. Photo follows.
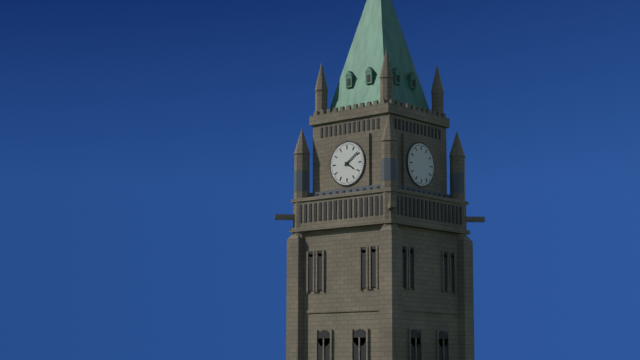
4.09
